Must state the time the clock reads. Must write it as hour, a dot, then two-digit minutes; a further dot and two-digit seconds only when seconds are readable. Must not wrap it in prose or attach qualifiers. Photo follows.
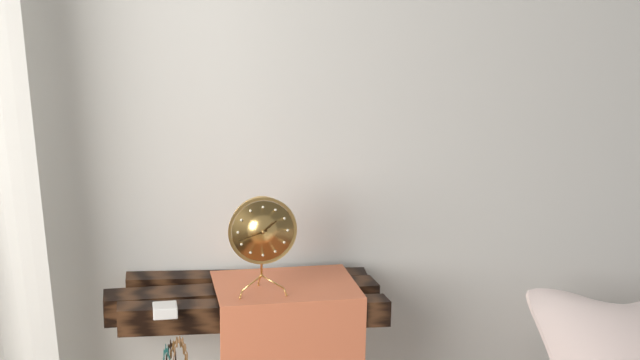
1.42
